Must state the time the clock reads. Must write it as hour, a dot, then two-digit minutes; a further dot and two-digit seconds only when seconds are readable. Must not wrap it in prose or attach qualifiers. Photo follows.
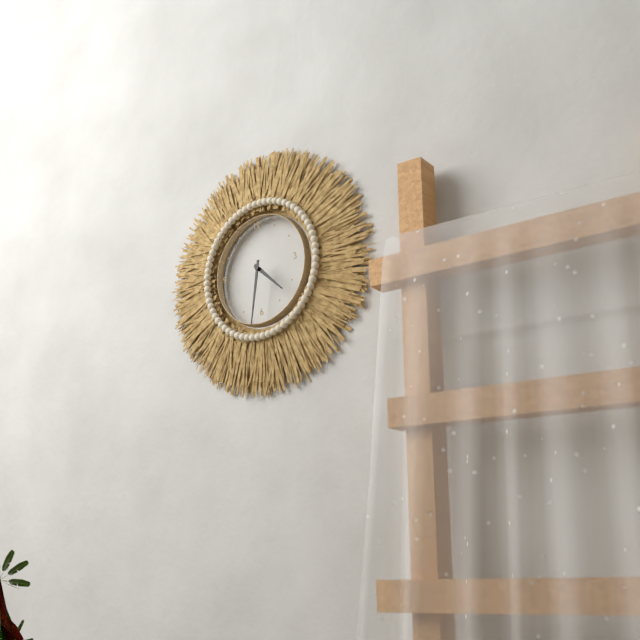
4.32
